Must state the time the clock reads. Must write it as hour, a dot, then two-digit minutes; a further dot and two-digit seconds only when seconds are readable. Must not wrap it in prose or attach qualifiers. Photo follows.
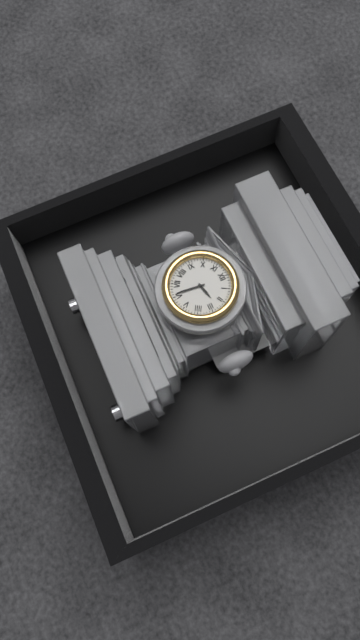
2.31
